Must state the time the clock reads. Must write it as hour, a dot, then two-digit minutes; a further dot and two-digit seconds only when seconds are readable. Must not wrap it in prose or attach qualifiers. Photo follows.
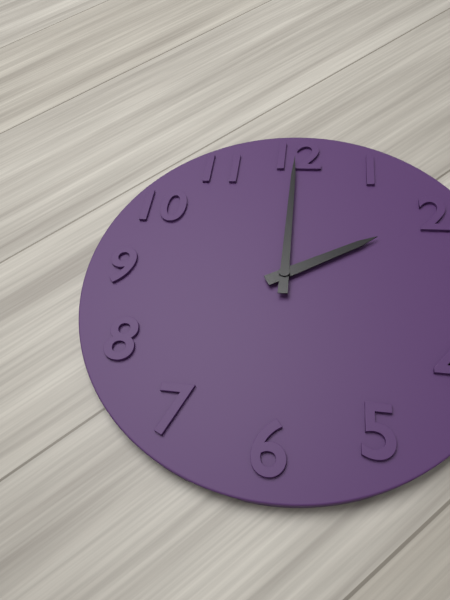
2.00
